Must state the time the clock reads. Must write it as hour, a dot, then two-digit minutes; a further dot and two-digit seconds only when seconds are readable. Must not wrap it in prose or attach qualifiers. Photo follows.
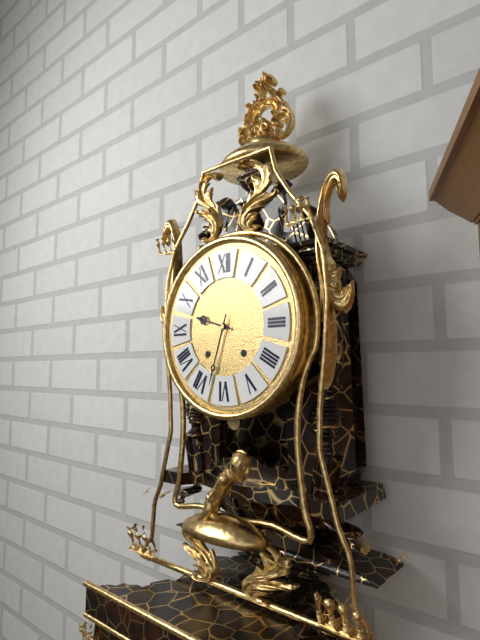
9.33
